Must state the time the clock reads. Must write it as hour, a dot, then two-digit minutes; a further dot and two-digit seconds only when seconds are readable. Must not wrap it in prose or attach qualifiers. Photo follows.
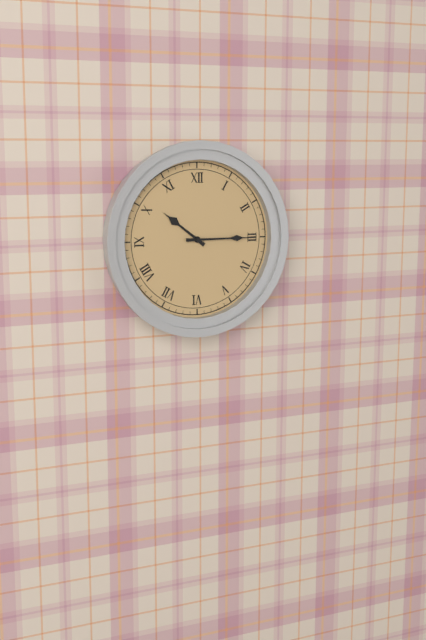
10.15
